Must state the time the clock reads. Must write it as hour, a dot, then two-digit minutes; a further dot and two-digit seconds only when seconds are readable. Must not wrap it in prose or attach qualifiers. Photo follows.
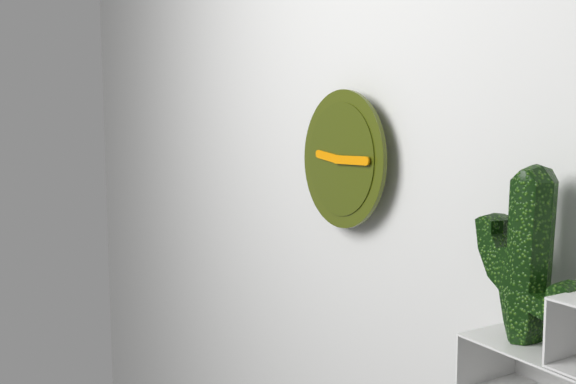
9.15
